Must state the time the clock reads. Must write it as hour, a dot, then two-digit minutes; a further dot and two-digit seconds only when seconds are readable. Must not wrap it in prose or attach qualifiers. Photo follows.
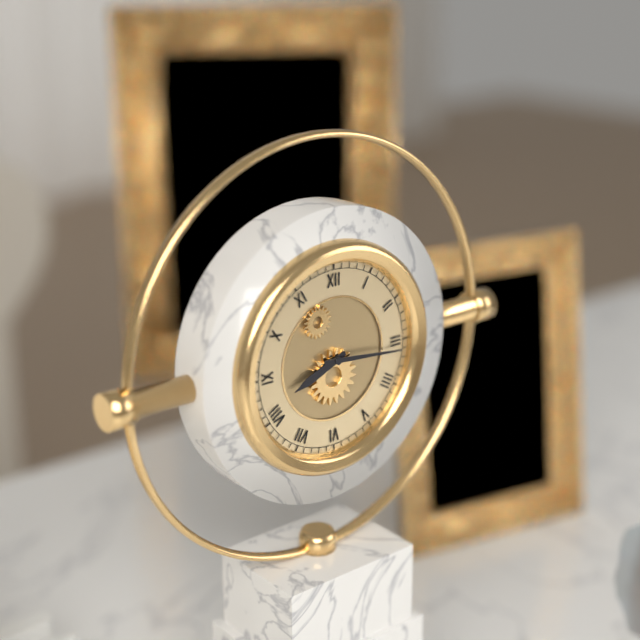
8.16
